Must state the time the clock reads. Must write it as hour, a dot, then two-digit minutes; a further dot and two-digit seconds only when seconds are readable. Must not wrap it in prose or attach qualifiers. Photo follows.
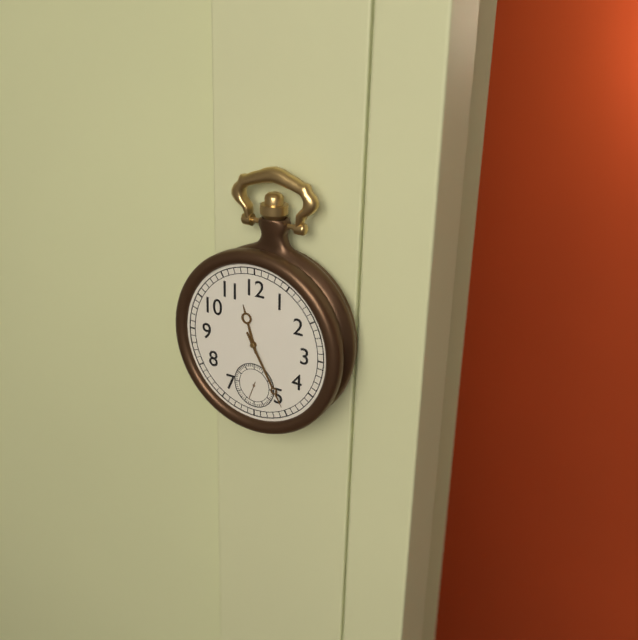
11.25
